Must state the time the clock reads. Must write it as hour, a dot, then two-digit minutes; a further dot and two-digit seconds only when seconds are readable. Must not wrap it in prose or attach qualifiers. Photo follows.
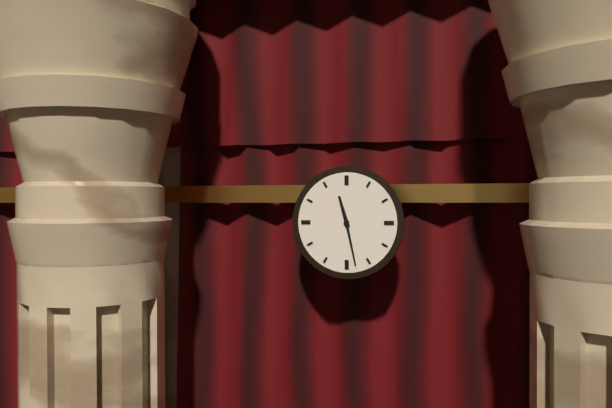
11.28
